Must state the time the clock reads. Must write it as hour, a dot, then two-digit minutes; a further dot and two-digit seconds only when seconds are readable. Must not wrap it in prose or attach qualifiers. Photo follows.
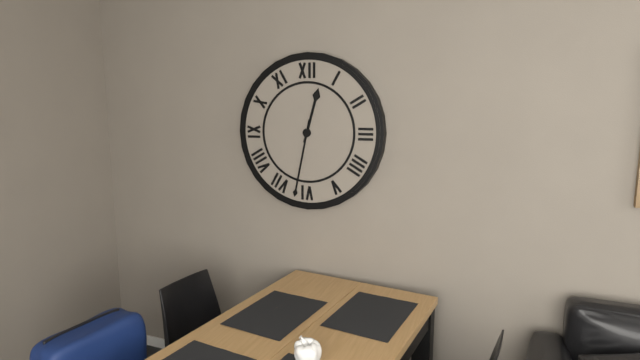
12.32
